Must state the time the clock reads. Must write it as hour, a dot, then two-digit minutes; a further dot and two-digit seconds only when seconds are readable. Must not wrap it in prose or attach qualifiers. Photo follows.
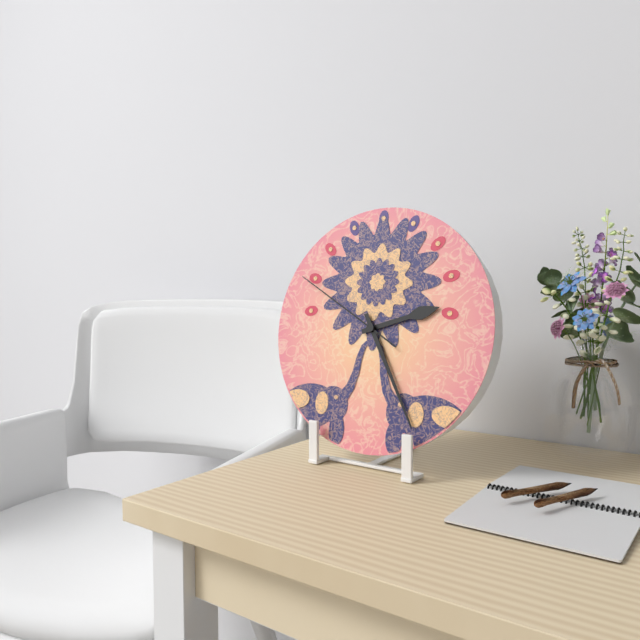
2.25.50
